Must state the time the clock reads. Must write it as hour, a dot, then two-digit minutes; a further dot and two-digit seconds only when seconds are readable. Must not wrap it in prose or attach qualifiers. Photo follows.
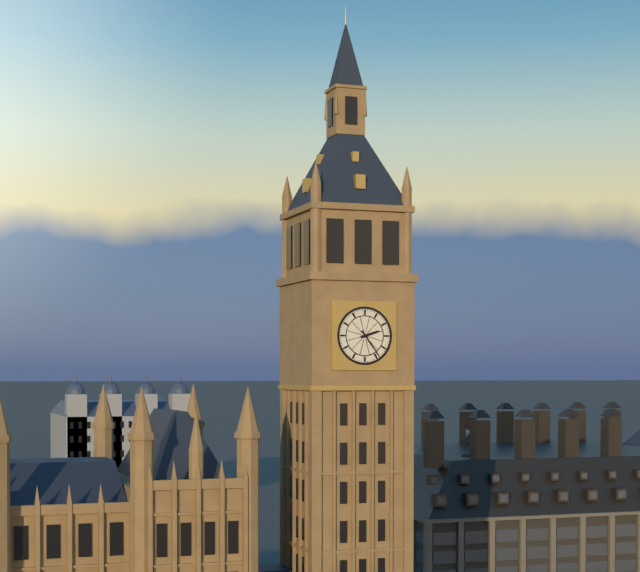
2.24
